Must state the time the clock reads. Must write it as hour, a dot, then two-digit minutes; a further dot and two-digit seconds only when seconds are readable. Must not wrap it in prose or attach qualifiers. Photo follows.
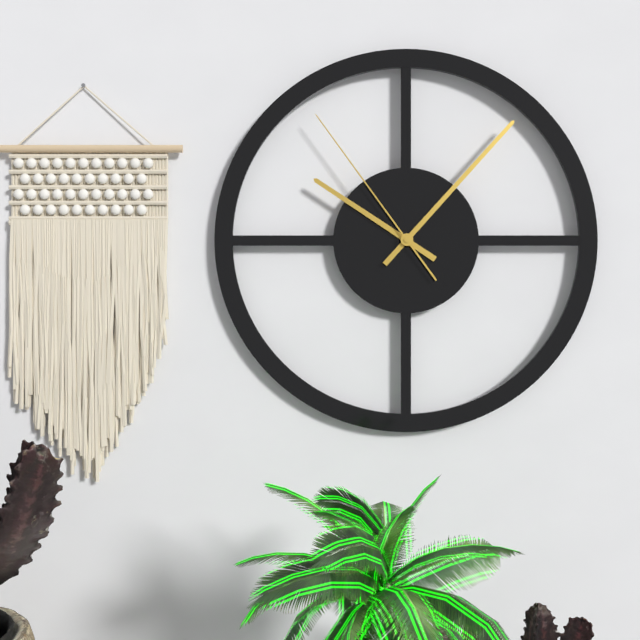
10.07.54
